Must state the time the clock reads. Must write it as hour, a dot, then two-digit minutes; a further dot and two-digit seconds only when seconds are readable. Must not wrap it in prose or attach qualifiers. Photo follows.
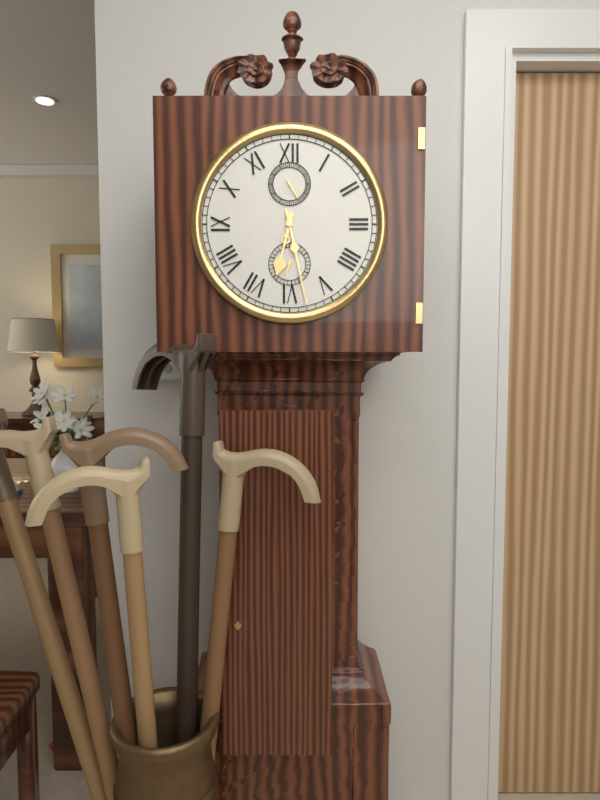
6.28
